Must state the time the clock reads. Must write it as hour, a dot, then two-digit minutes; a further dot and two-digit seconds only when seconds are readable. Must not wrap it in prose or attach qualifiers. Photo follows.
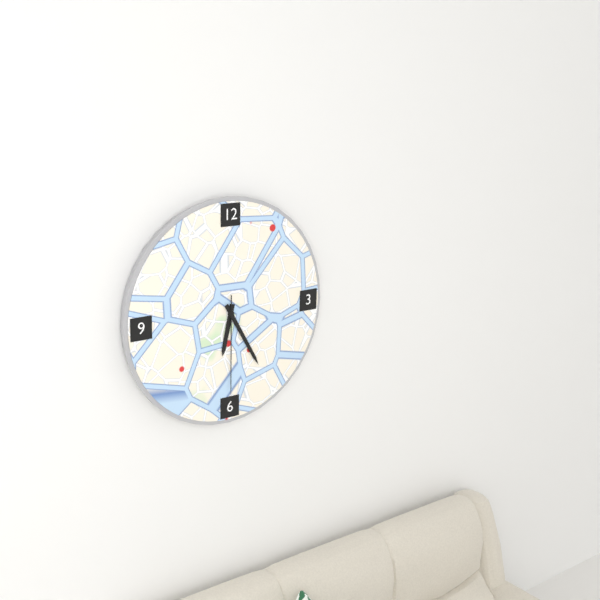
6.25.30
